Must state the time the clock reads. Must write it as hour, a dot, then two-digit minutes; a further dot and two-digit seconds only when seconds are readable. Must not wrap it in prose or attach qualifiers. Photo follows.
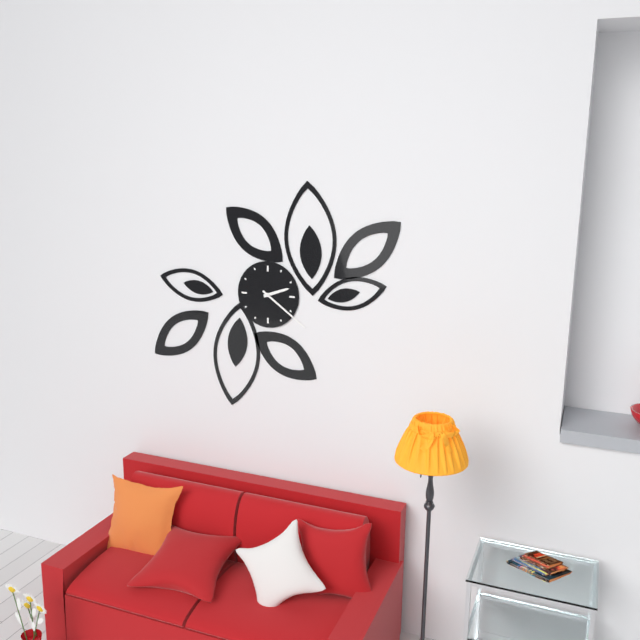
2.21
